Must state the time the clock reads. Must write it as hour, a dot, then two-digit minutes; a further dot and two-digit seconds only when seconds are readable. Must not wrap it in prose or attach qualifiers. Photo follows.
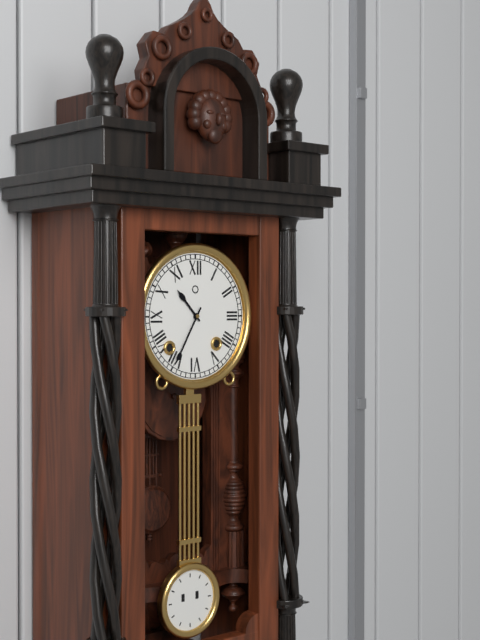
10.35
